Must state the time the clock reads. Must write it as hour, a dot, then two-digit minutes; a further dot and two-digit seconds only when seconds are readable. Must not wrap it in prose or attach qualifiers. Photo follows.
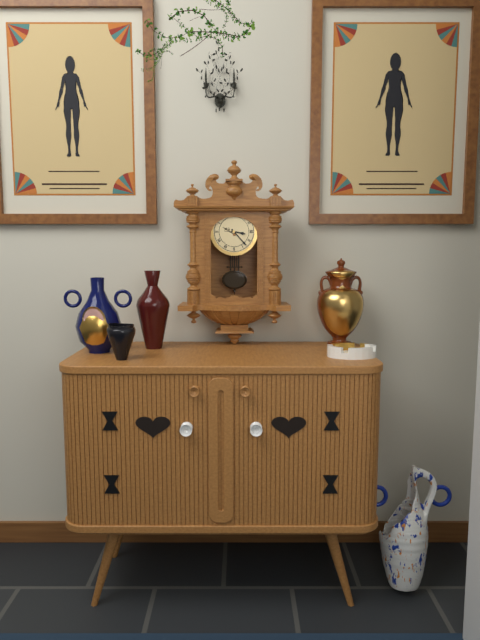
3.23
